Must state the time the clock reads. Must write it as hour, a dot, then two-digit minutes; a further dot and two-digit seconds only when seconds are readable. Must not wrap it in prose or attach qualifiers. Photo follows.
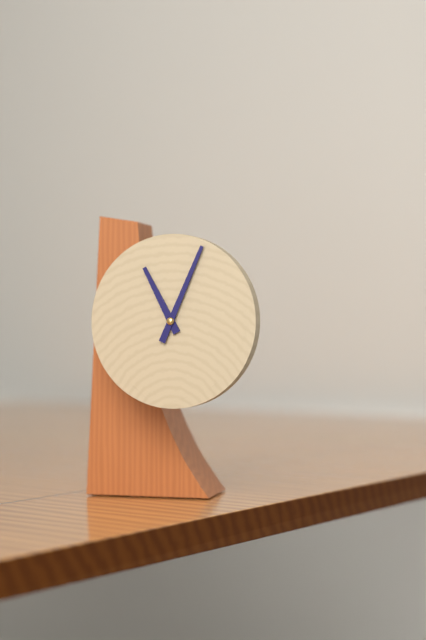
11.04
